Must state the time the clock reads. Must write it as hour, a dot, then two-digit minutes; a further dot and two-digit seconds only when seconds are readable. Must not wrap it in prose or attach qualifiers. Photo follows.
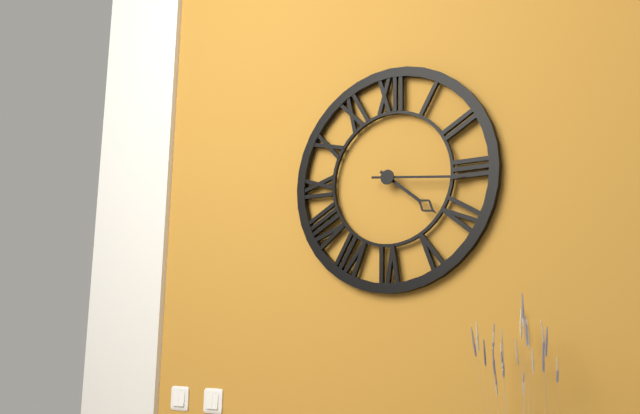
4.16
